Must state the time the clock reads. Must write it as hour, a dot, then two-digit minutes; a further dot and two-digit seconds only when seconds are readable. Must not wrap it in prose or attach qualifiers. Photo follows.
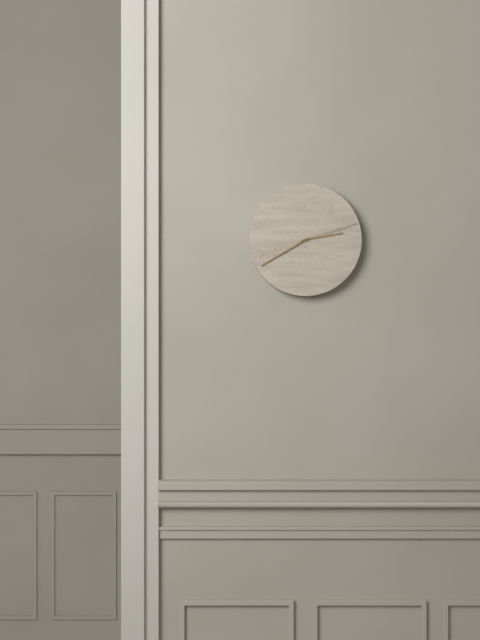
2.40.12
